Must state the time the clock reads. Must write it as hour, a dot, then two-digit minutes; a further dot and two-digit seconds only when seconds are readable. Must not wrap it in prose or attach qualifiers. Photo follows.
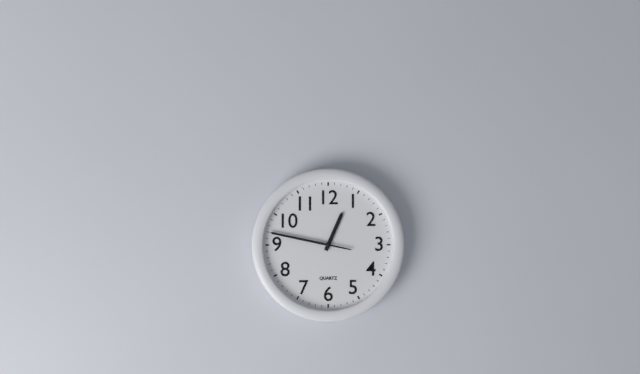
12.47
